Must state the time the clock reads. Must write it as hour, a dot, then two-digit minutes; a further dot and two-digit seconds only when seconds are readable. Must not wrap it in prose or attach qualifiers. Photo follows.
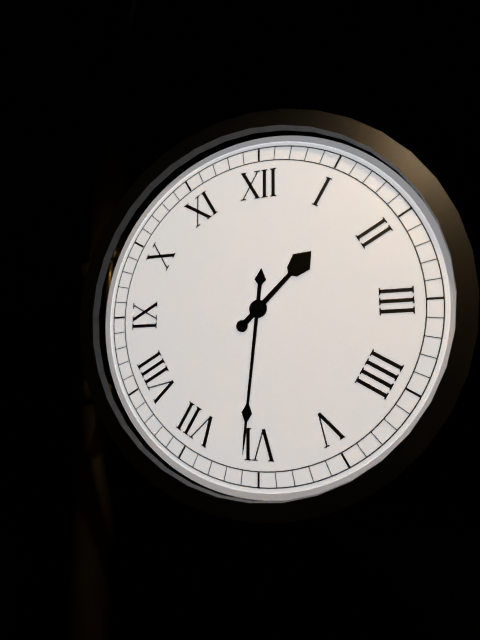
1.31
